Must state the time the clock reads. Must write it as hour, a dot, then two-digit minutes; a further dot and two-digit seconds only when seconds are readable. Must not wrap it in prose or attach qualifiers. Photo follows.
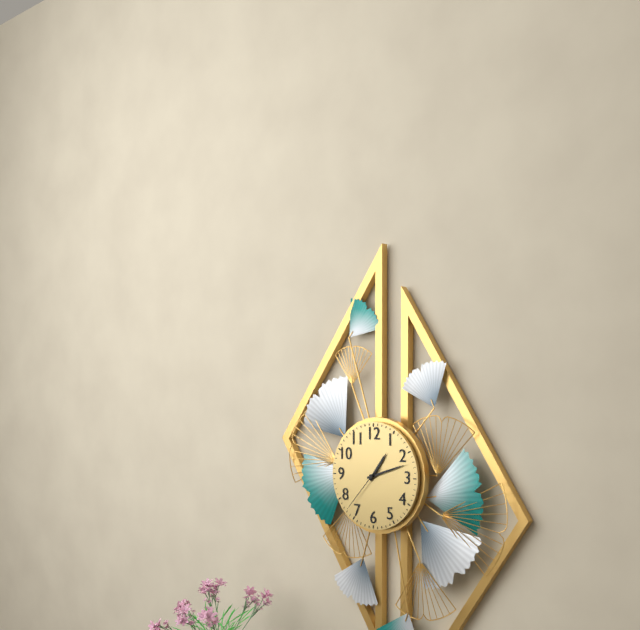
1.12.37
